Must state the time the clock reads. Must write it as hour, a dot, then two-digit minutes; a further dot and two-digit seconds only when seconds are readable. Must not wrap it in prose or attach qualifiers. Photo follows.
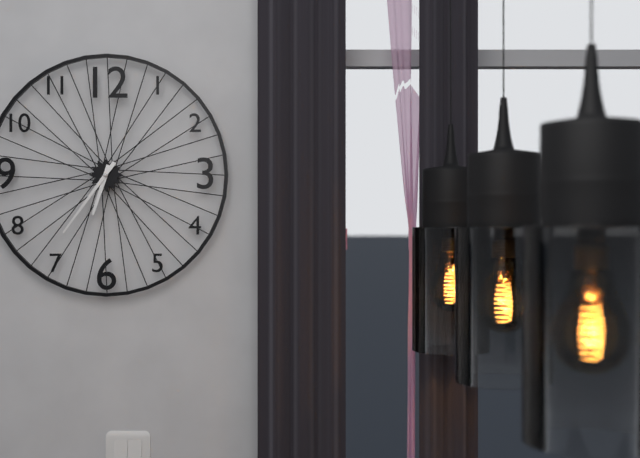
6.36
